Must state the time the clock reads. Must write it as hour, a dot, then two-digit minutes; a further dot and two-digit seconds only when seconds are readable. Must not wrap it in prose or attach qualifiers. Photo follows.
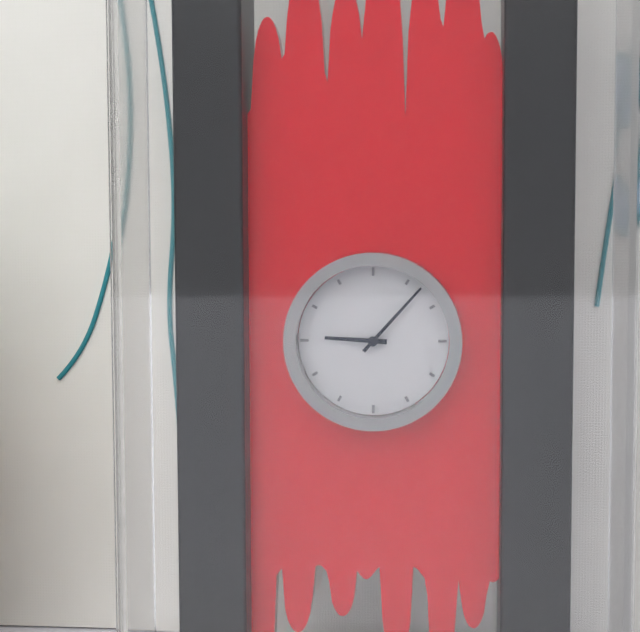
9.07
